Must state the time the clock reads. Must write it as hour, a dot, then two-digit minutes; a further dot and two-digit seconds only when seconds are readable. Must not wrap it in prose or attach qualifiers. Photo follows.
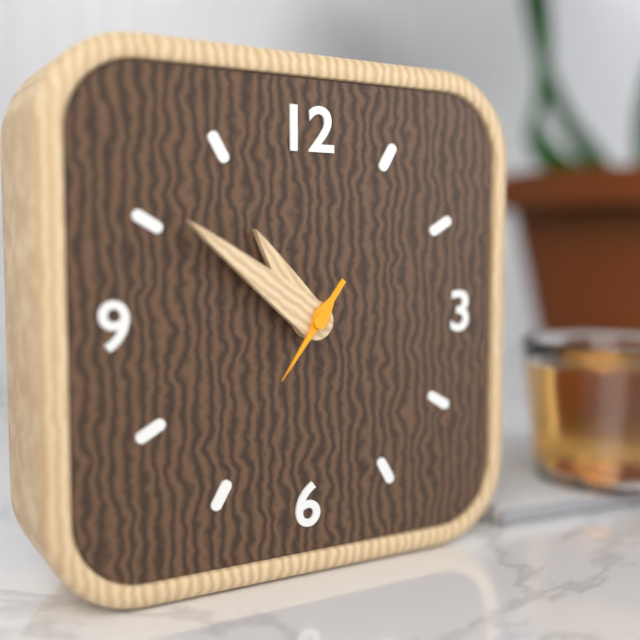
10.51.36
